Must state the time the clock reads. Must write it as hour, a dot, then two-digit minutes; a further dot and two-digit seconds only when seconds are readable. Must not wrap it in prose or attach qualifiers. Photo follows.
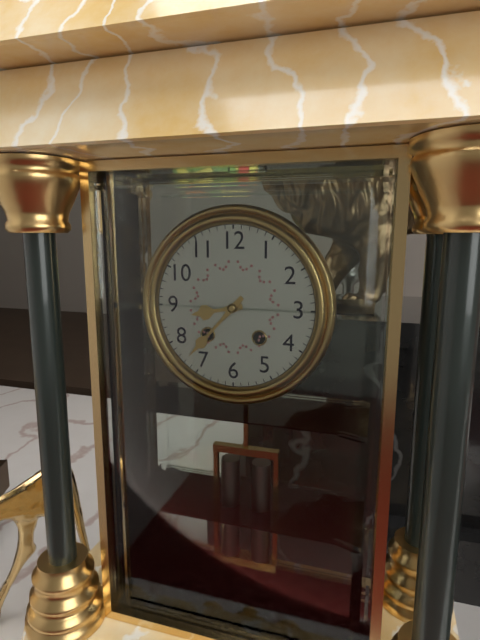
8.37
